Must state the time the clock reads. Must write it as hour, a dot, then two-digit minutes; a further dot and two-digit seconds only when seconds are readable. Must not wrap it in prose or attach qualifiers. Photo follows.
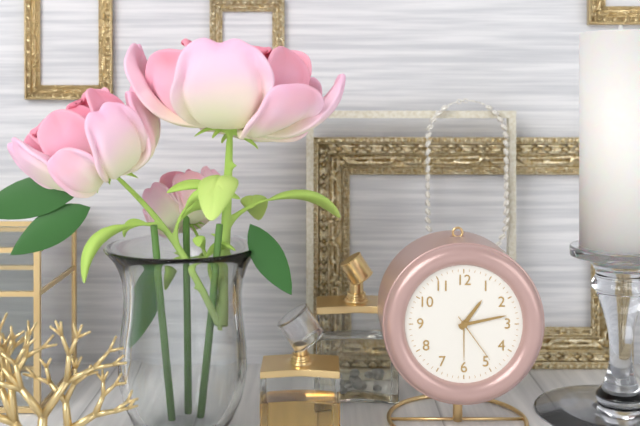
1.13.24
